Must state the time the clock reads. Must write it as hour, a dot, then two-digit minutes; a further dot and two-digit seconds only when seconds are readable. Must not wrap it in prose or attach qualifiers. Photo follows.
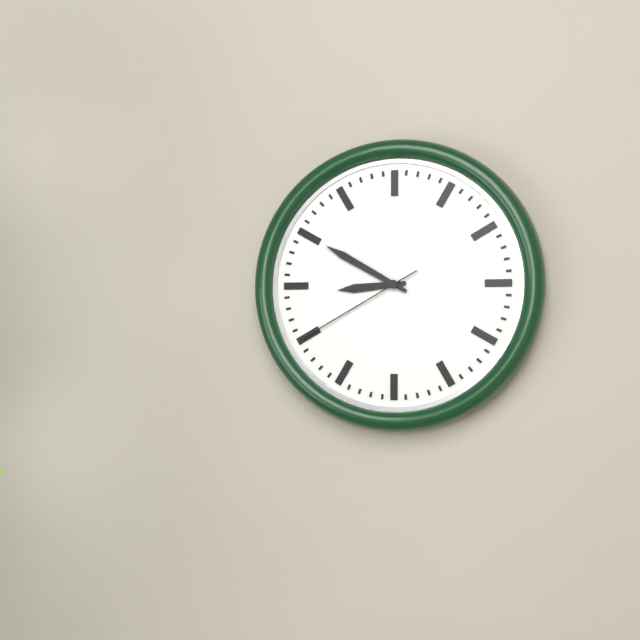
8.50.40
